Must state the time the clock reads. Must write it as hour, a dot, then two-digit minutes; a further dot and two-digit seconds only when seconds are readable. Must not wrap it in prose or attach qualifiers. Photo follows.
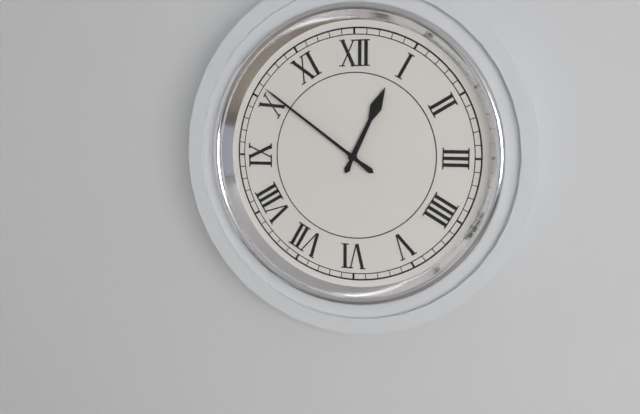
12.51
